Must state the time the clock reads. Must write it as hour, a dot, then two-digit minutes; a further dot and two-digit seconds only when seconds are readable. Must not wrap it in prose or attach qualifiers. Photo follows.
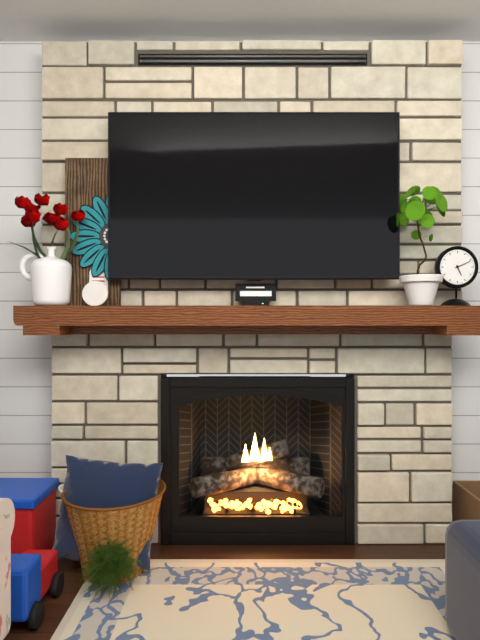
5.11
